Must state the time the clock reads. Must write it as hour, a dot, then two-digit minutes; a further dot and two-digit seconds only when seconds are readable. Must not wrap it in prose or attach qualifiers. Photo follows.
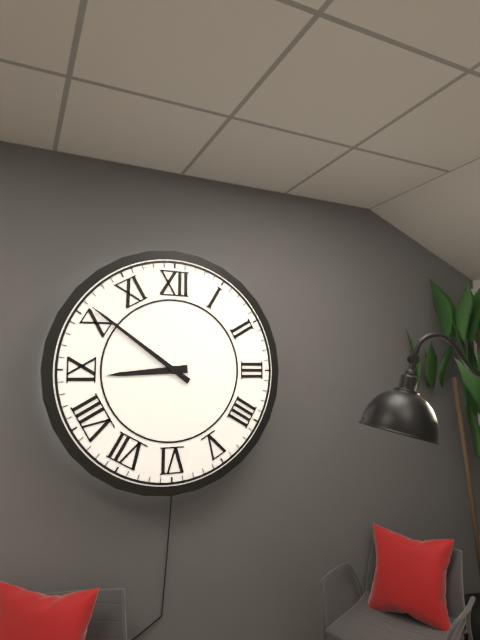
8.51
